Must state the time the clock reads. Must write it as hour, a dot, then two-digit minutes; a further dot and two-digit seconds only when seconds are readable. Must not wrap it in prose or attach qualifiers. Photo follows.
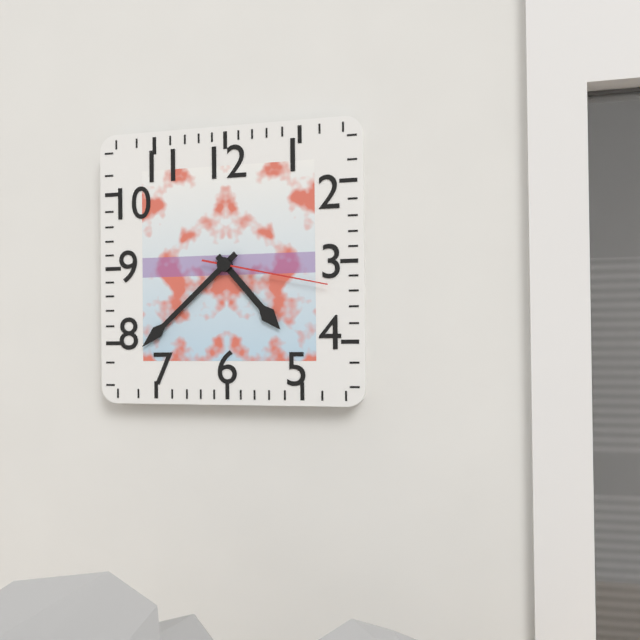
4.38.17
